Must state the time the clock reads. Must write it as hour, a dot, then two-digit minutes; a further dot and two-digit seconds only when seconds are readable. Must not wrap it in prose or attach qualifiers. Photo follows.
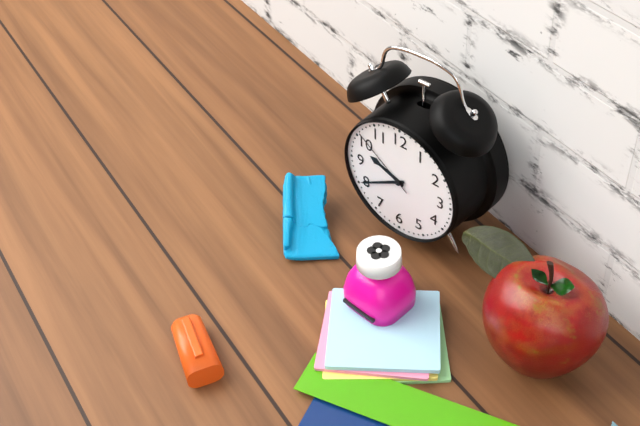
9.40.51
